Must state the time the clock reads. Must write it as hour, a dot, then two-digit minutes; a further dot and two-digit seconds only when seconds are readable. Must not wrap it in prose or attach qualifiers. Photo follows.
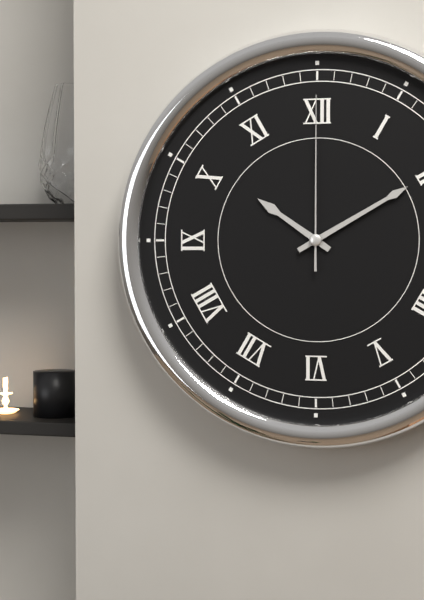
10.10.00
